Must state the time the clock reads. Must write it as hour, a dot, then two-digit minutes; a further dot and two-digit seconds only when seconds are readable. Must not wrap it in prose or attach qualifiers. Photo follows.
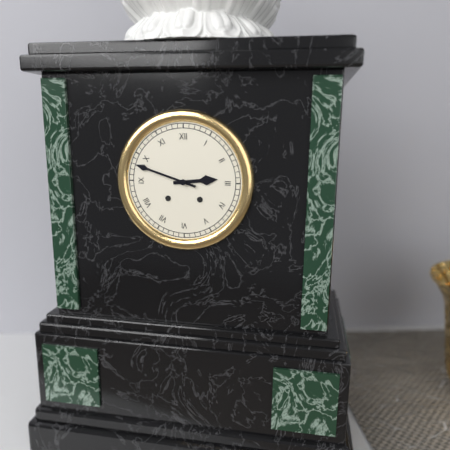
2.48
